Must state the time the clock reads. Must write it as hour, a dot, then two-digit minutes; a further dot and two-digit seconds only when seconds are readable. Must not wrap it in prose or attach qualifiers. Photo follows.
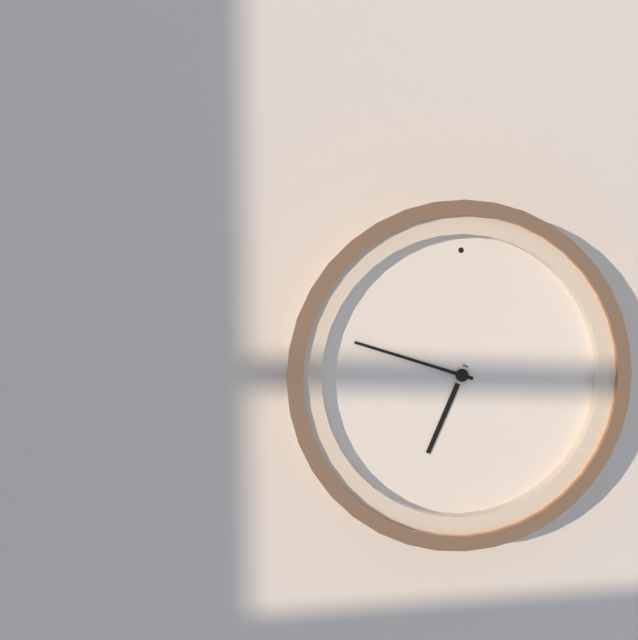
6.48
